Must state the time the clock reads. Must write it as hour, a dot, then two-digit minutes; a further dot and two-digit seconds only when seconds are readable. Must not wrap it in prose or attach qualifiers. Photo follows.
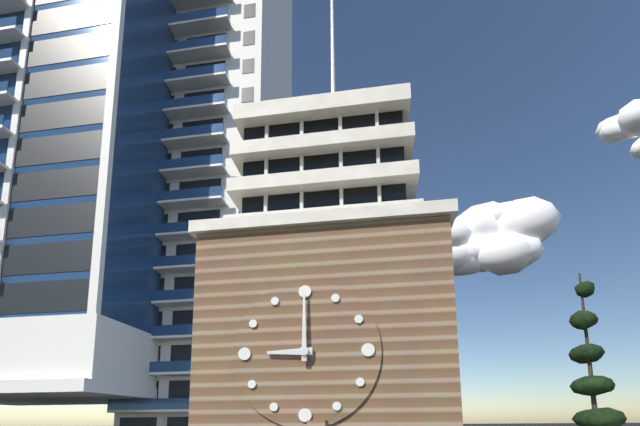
9.00
